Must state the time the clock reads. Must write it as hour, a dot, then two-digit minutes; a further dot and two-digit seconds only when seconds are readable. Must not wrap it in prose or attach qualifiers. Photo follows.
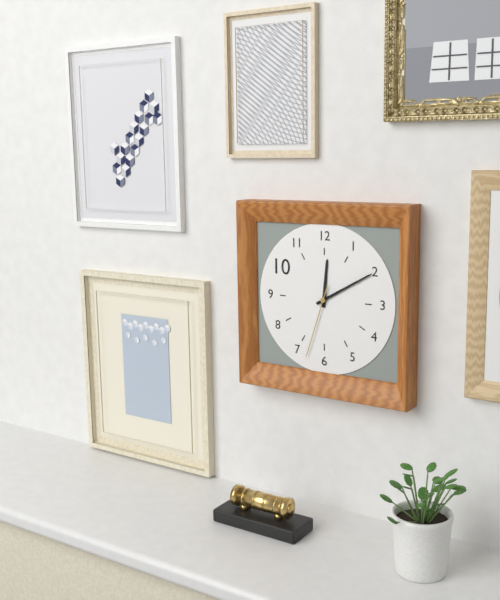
12.10.33
